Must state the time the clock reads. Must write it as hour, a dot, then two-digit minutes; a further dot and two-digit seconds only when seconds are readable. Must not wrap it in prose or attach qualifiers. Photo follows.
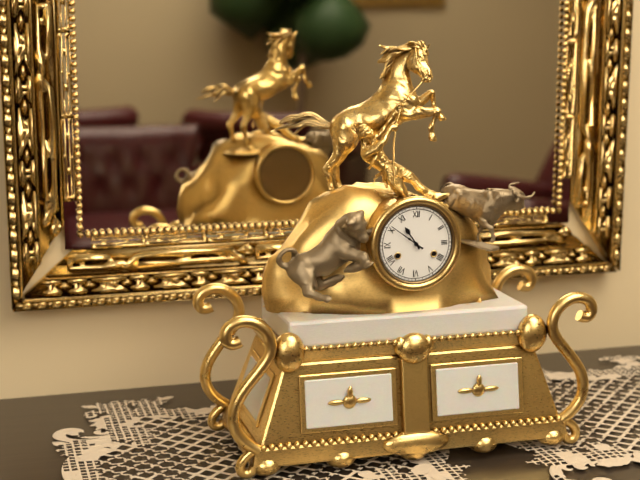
10.51
